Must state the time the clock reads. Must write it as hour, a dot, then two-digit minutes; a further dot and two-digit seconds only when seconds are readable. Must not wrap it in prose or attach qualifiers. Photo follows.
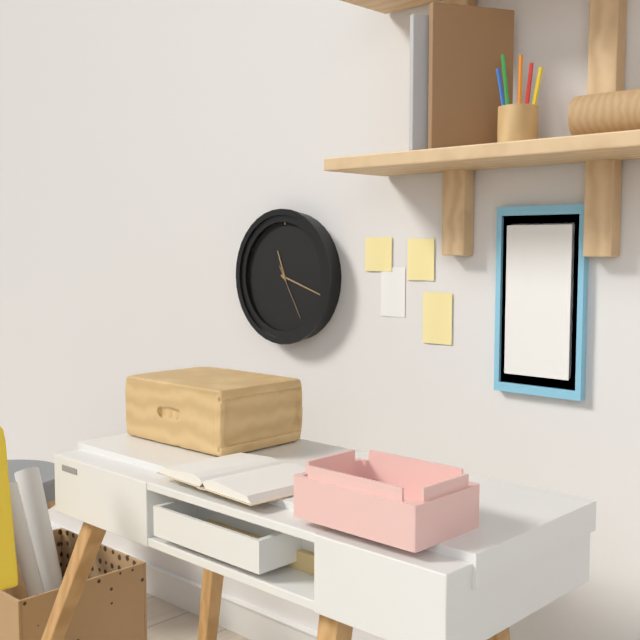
11.18.25
